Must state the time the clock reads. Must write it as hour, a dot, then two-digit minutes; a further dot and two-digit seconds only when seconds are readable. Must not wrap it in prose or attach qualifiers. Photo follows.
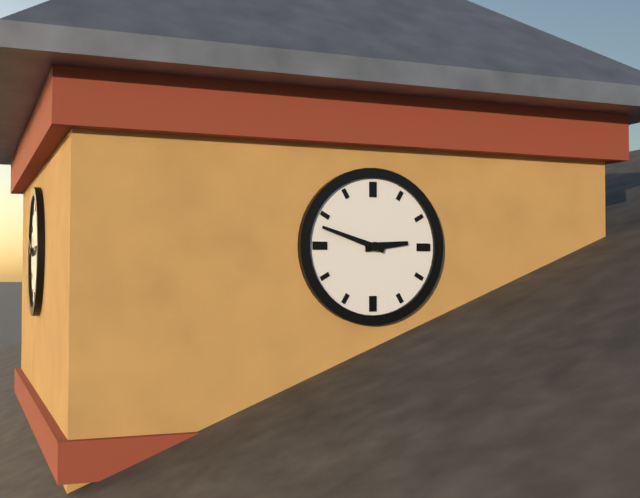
2.48
